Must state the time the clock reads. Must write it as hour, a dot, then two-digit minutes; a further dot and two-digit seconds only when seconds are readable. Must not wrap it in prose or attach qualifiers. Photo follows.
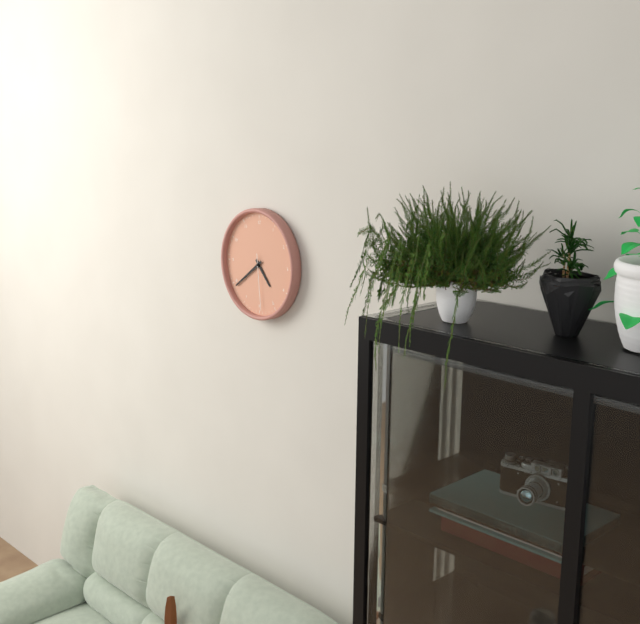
4.39.29
